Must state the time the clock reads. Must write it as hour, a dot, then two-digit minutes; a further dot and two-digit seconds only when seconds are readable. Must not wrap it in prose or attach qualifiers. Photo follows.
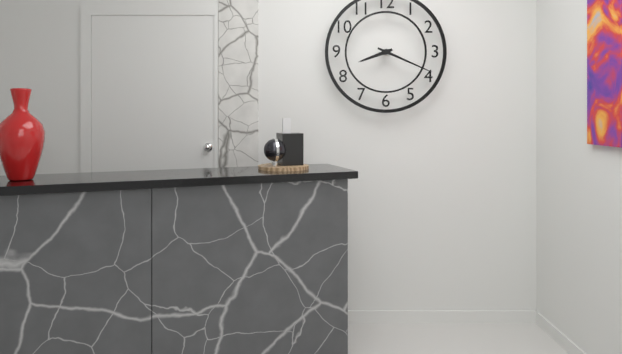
8.19
